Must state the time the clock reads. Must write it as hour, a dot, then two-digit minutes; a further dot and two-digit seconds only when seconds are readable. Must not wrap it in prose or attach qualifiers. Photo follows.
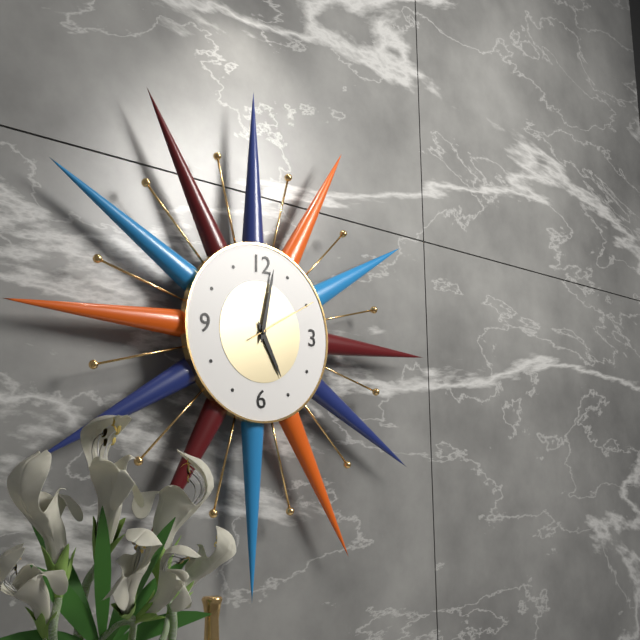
5.02.10
